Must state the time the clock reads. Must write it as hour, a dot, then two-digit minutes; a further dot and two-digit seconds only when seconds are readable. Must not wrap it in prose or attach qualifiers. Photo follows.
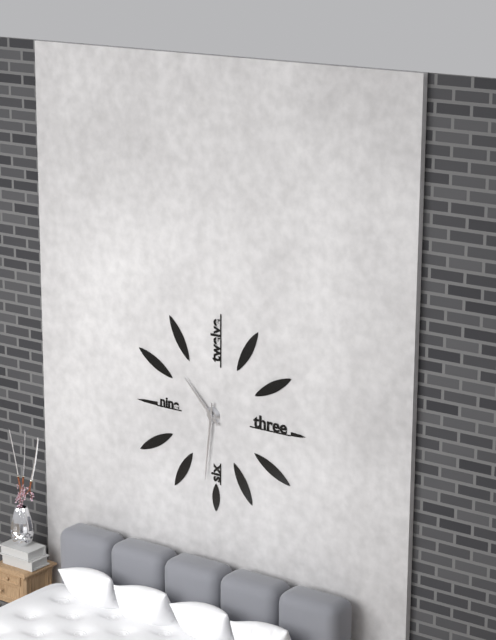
10.31
